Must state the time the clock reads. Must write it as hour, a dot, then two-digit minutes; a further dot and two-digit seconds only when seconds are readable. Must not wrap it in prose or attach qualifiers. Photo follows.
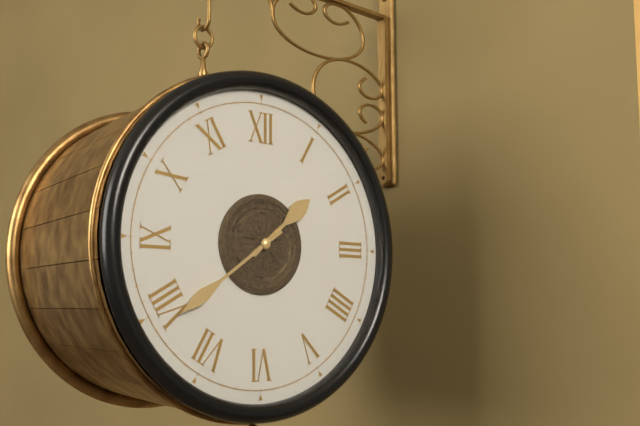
1.39
